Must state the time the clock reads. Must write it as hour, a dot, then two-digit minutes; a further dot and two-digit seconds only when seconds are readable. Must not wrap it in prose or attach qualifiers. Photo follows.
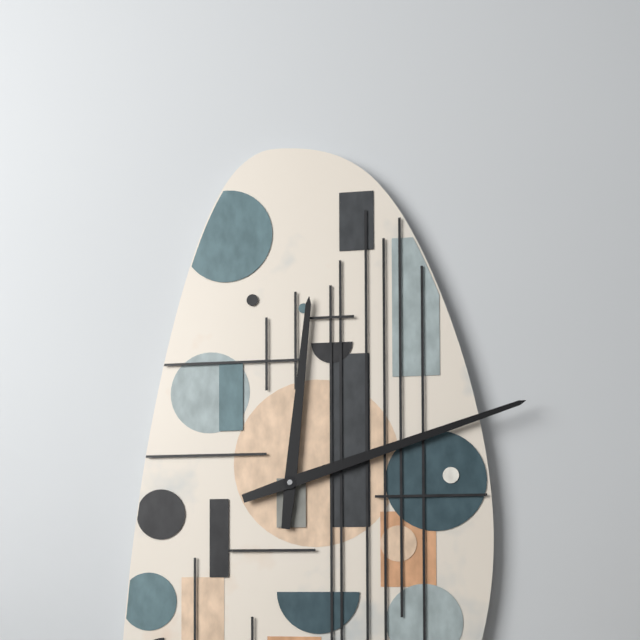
12.12
